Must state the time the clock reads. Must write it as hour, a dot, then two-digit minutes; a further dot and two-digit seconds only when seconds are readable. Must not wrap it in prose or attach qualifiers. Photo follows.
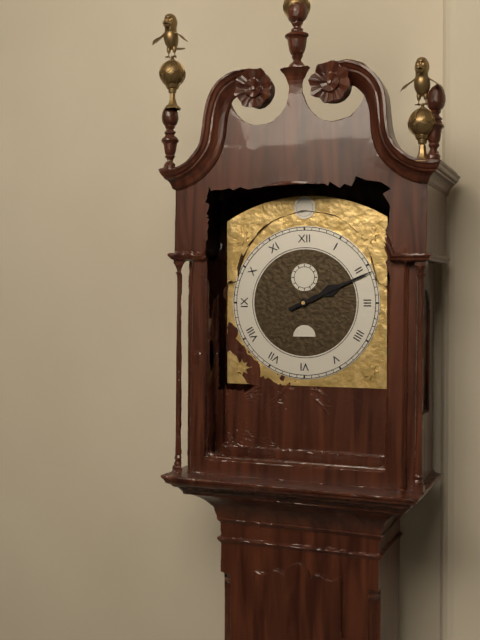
2.11
